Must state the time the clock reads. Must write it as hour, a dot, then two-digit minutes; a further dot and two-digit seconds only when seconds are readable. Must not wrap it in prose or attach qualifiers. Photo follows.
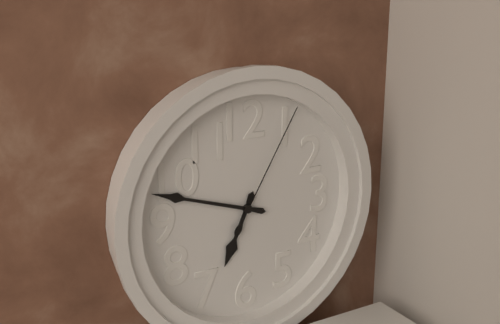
6.48.05
